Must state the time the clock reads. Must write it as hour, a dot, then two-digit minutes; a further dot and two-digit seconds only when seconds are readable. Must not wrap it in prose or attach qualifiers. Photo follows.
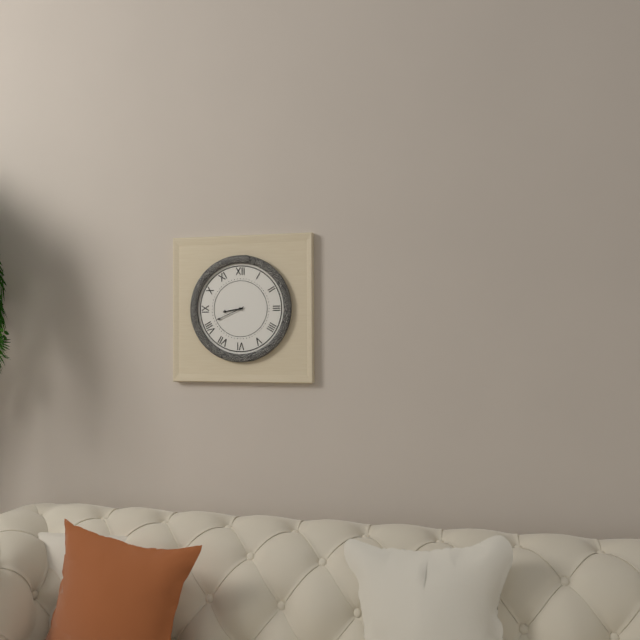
8.41
